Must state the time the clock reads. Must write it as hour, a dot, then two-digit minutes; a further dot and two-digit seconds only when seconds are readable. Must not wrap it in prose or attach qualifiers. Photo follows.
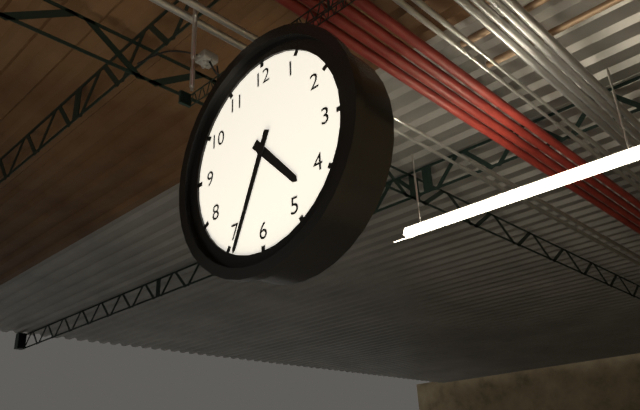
4.34
